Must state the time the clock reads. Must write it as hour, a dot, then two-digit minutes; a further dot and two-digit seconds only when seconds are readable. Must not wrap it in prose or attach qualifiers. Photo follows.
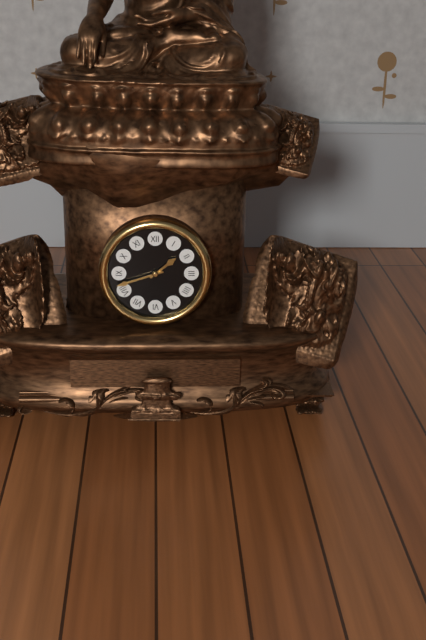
1.42
